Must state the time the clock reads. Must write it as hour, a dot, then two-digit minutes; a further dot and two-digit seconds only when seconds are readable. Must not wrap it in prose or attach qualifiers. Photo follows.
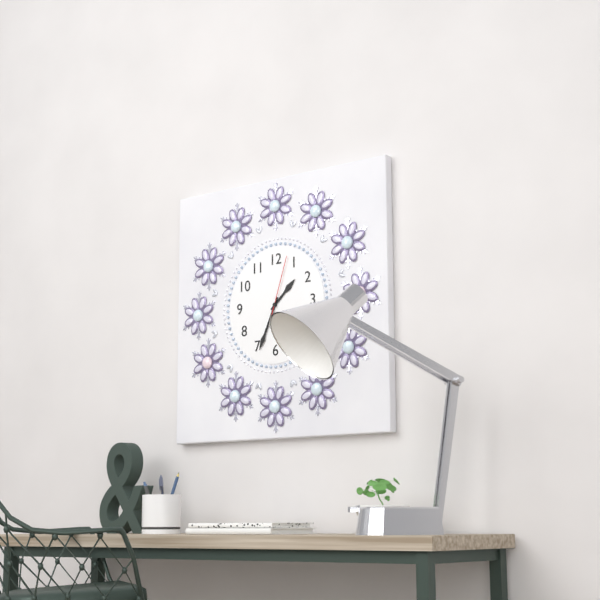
1.34.03
